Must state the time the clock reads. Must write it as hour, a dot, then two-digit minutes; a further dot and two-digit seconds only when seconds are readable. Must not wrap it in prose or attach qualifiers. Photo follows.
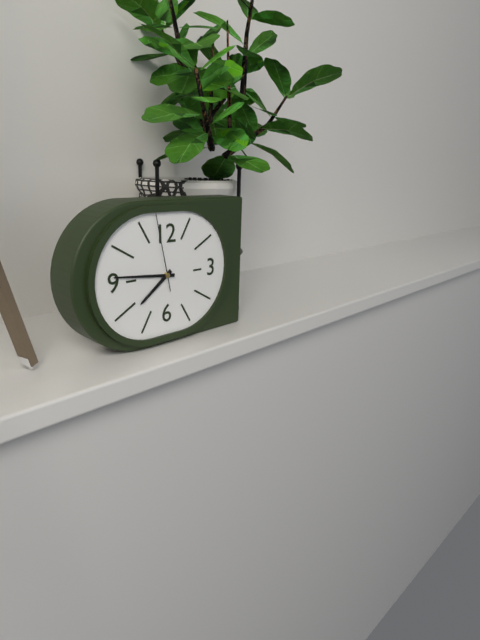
7.46.58
